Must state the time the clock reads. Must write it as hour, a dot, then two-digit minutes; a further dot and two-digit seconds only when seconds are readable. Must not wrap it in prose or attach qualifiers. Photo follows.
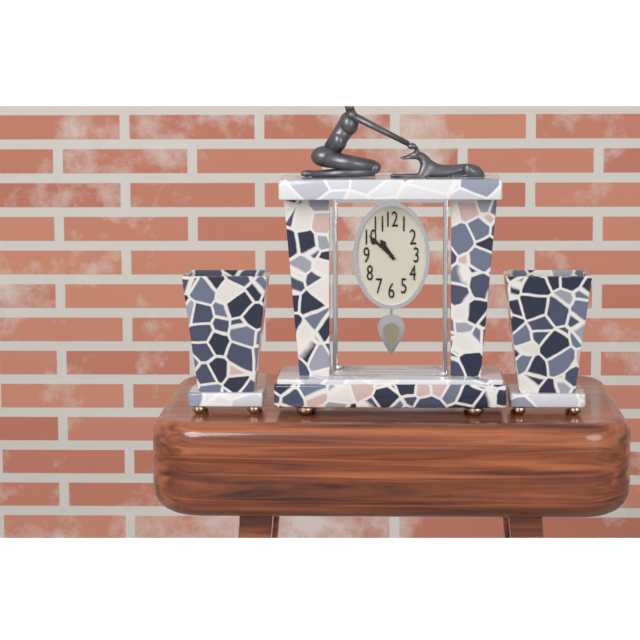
10.52
